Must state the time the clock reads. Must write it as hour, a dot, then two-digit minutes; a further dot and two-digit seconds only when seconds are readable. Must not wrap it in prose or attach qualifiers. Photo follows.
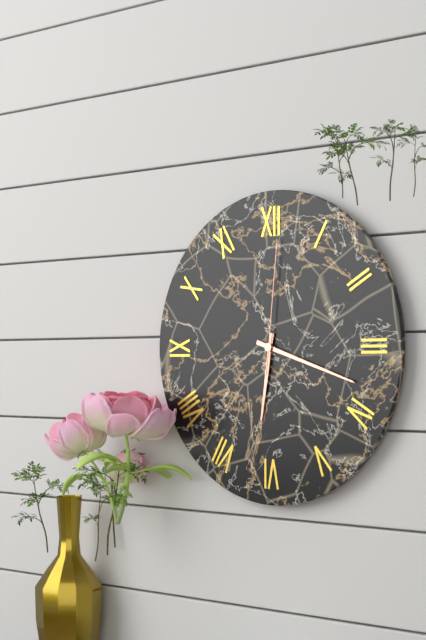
6.18.01
